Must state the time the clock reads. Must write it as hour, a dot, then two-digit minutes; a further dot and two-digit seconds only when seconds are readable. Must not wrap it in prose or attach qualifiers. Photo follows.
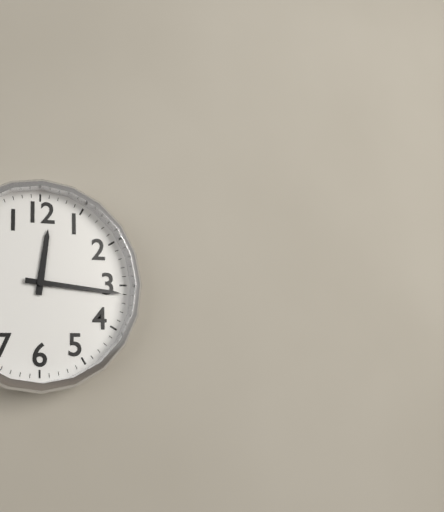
12.16
